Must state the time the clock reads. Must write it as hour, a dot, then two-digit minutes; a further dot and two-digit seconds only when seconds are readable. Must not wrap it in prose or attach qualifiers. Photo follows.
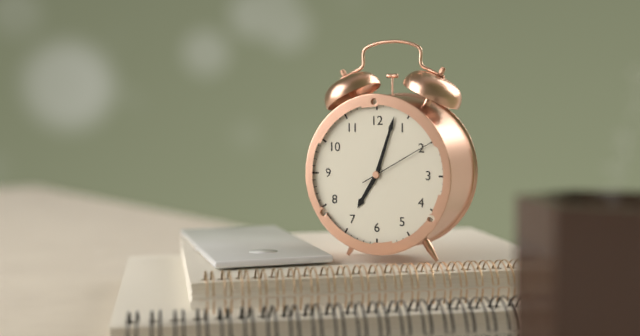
7.03.10
